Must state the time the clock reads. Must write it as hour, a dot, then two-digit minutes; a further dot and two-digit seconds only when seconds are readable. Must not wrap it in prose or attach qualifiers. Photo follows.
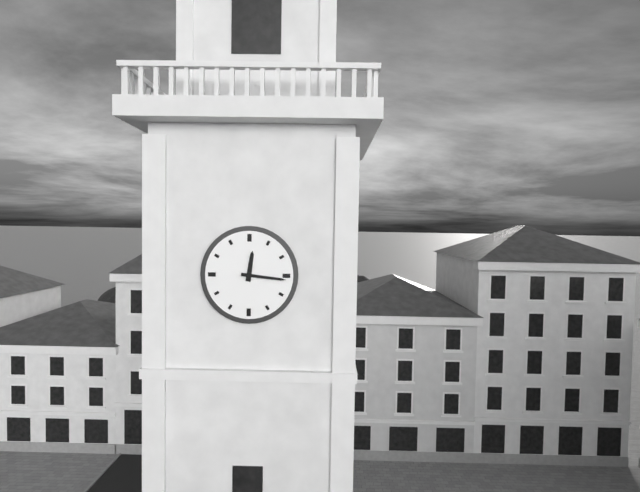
12.16
